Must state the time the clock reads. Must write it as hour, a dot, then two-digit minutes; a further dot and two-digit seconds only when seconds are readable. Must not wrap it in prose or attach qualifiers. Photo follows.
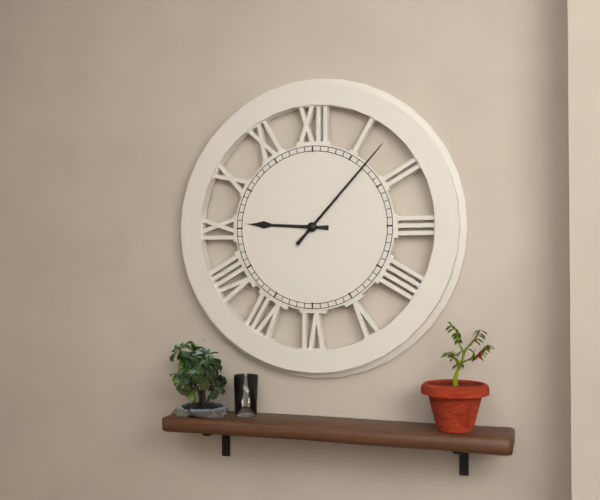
9.07
